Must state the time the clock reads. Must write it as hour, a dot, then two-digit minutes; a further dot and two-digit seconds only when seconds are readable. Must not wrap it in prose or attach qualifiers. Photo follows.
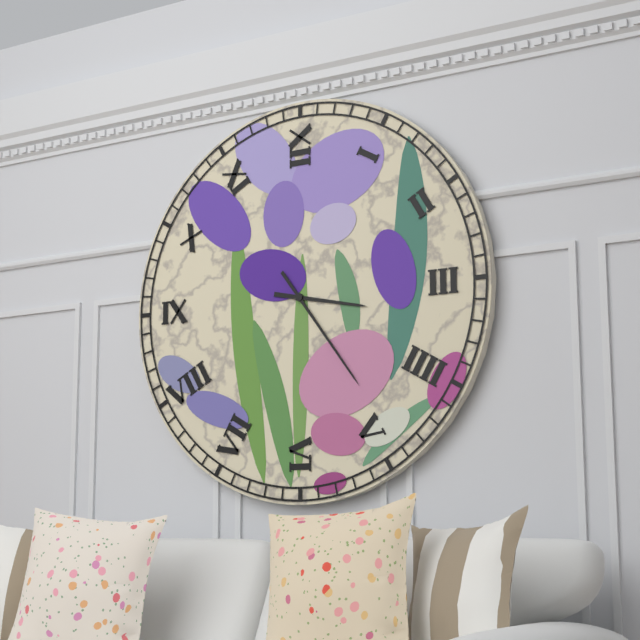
3.24
